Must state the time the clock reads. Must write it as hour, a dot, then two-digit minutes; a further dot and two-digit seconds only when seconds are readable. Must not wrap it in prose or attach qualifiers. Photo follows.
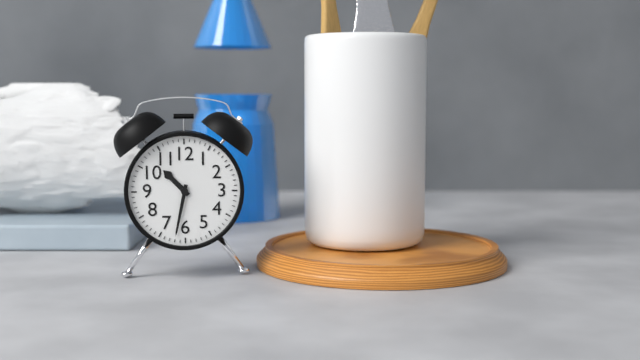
10.32
